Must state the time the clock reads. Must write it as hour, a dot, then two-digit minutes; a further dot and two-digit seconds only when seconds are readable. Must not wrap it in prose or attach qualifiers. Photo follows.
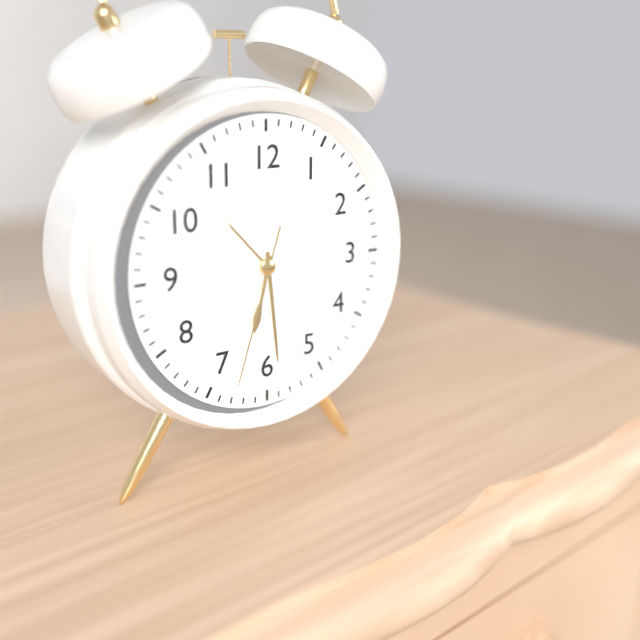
6.29.33
